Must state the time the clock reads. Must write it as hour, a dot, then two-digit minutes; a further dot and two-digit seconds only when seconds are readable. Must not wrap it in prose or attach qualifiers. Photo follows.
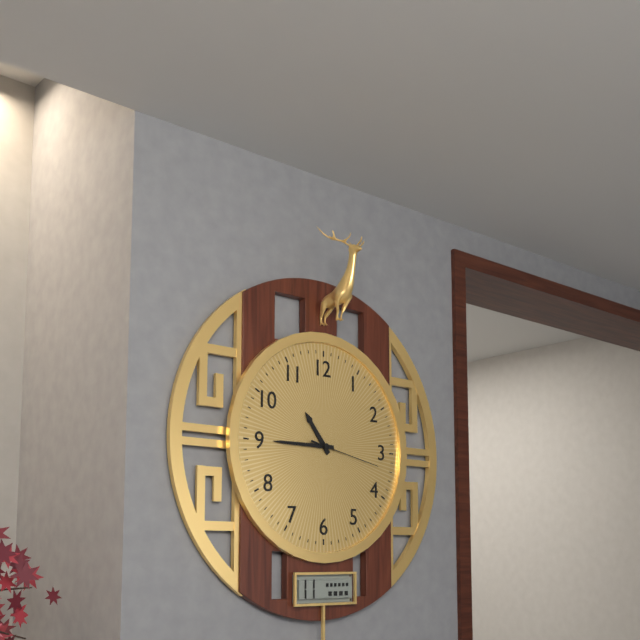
10.45.17
